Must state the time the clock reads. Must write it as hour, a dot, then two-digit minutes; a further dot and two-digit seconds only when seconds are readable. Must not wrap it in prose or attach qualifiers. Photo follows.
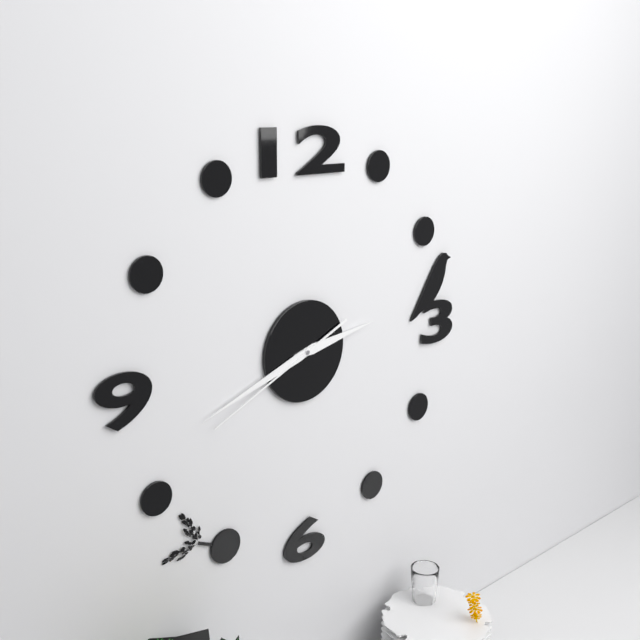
2.42.41
